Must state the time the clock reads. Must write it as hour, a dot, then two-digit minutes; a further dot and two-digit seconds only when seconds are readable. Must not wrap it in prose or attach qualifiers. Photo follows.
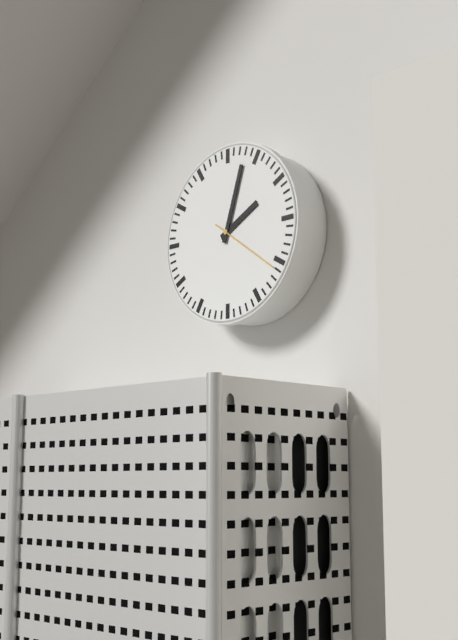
2.03.21
